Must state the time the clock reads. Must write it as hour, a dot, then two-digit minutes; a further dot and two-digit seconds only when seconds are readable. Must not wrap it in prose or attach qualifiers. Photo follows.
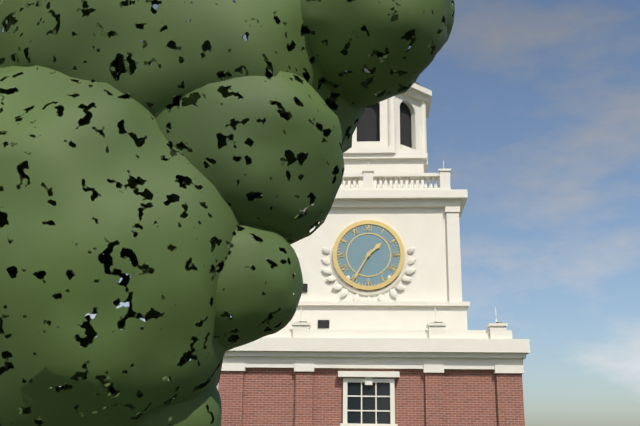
1.35
